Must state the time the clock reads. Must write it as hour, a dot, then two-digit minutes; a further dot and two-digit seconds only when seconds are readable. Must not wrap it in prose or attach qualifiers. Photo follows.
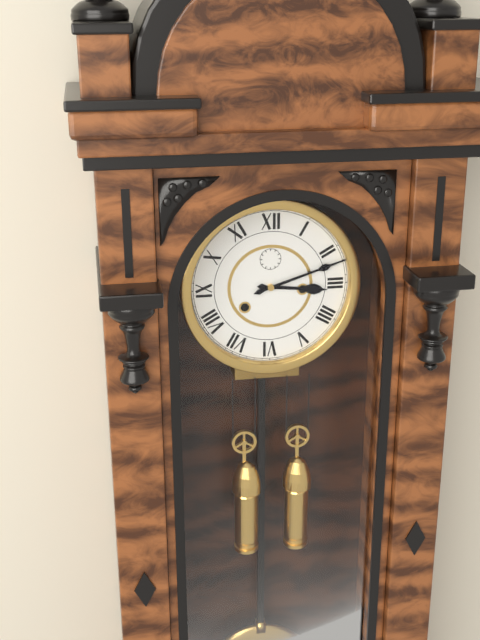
3.12
